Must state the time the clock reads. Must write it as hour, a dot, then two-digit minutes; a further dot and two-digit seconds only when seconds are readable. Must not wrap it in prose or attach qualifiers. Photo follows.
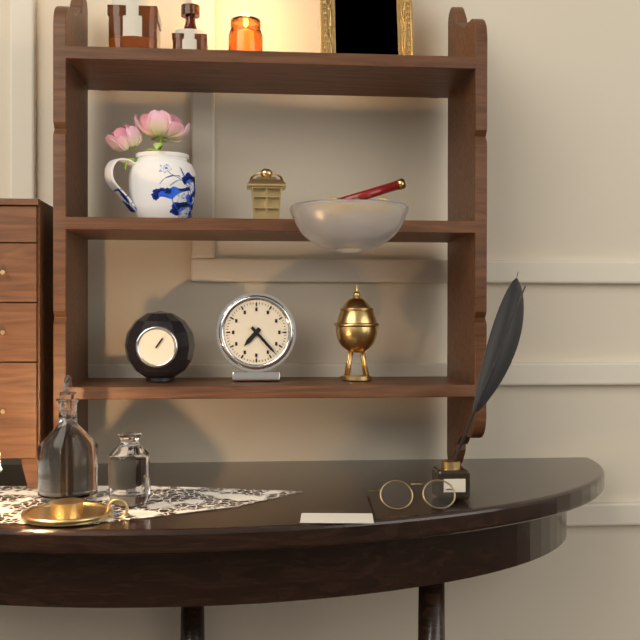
7.23
